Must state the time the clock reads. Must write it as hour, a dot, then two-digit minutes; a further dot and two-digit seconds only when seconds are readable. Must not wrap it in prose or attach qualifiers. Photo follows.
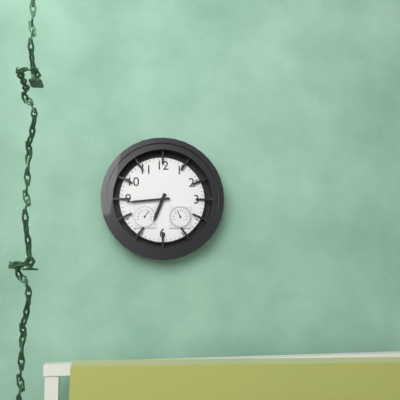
6.44
